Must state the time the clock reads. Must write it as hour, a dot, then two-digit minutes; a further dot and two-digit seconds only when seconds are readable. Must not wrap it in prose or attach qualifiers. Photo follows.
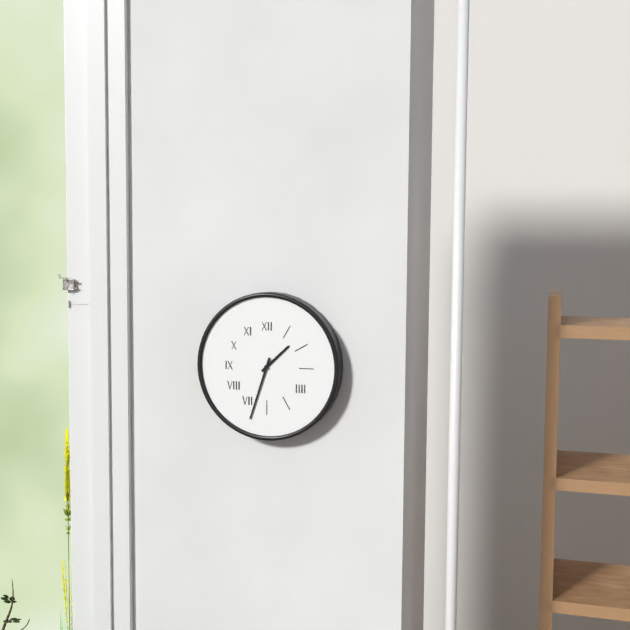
1.33
